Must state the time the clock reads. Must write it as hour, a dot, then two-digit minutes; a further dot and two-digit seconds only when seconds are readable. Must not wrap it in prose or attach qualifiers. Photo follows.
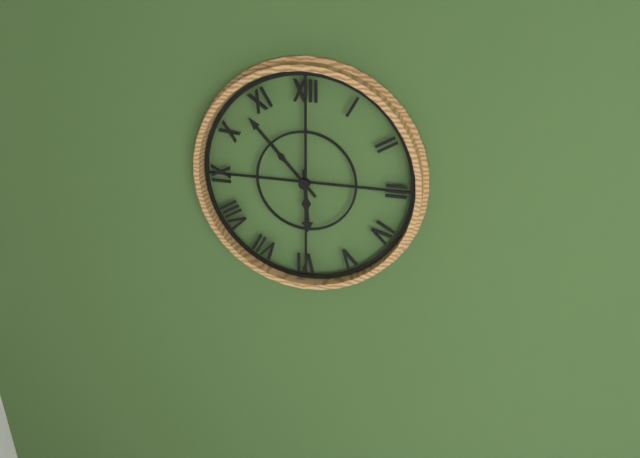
5.53
